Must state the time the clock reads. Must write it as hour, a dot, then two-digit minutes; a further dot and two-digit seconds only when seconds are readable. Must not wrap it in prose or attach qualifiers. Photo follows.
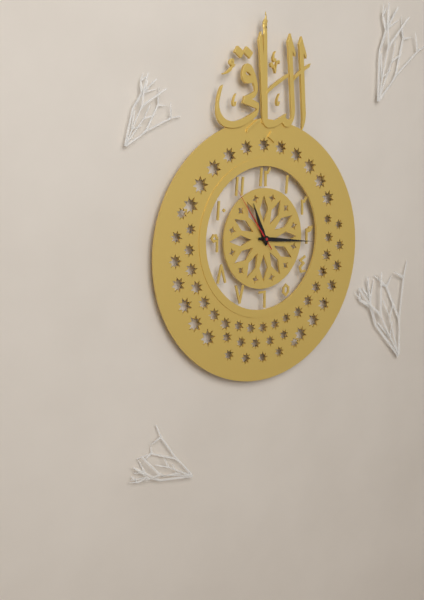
11.16.54
